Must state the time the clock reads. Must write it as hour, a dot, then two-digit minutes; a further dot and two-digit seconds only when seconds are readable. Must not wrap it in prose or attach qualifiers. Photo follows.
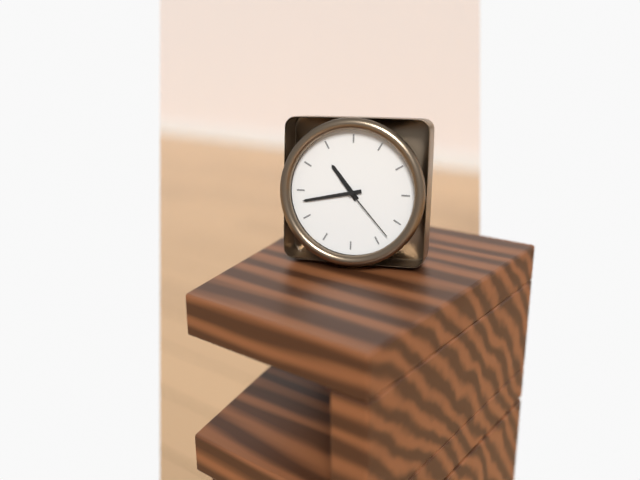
10.43.23
